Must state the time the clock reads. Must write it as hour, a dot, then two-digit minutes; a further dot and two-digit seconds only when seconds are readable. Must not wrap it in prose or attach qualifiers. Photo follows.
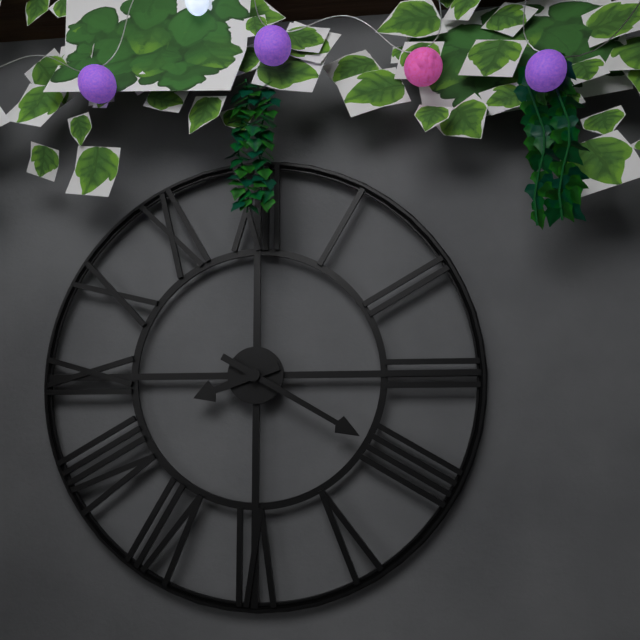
8.20
